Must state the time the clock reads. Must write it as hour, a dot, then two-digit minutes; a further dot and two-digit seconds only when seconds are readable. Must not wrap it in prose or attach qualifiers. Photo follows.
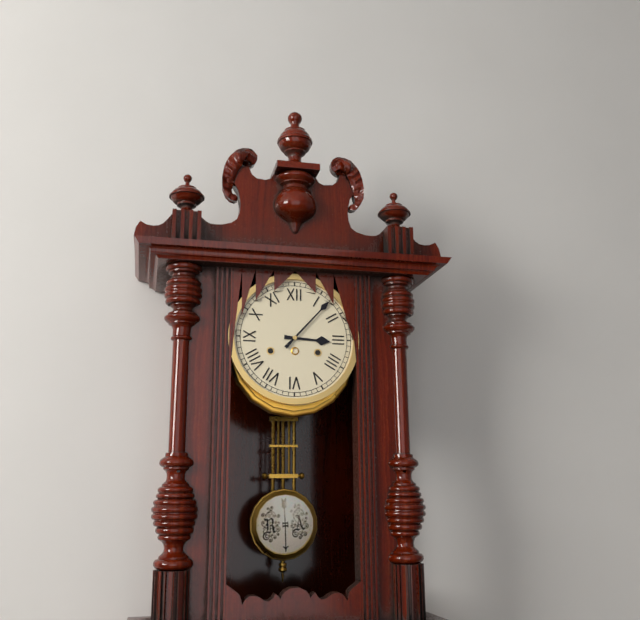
3.07
